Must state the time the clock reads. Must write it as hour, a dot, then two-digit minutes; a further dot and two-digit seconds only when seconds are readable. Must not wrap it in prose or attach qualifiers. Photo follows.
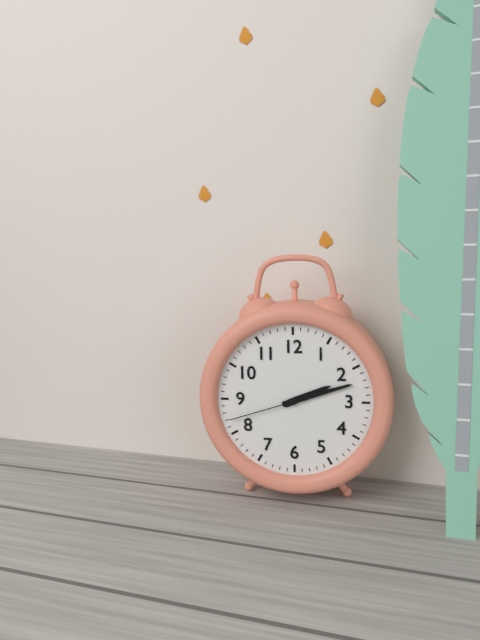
2.12.42
